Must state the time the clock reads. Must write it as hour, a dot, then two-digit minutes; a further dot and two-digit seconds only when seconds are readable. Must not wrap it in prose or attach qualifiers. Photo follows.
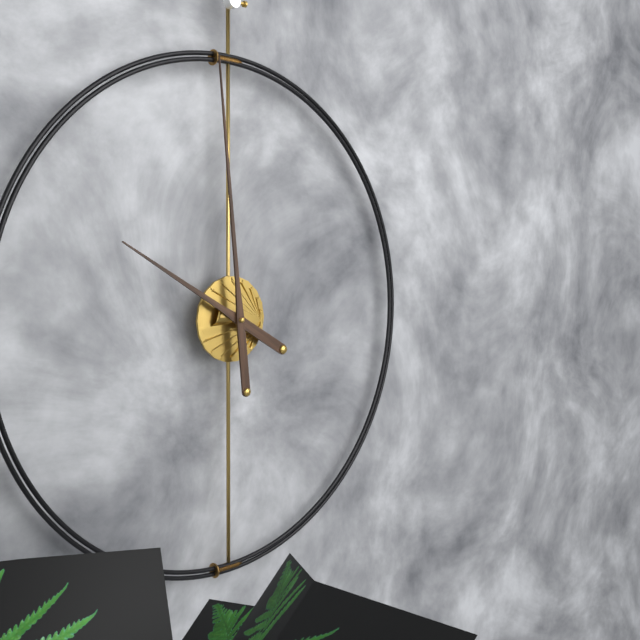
9.59
